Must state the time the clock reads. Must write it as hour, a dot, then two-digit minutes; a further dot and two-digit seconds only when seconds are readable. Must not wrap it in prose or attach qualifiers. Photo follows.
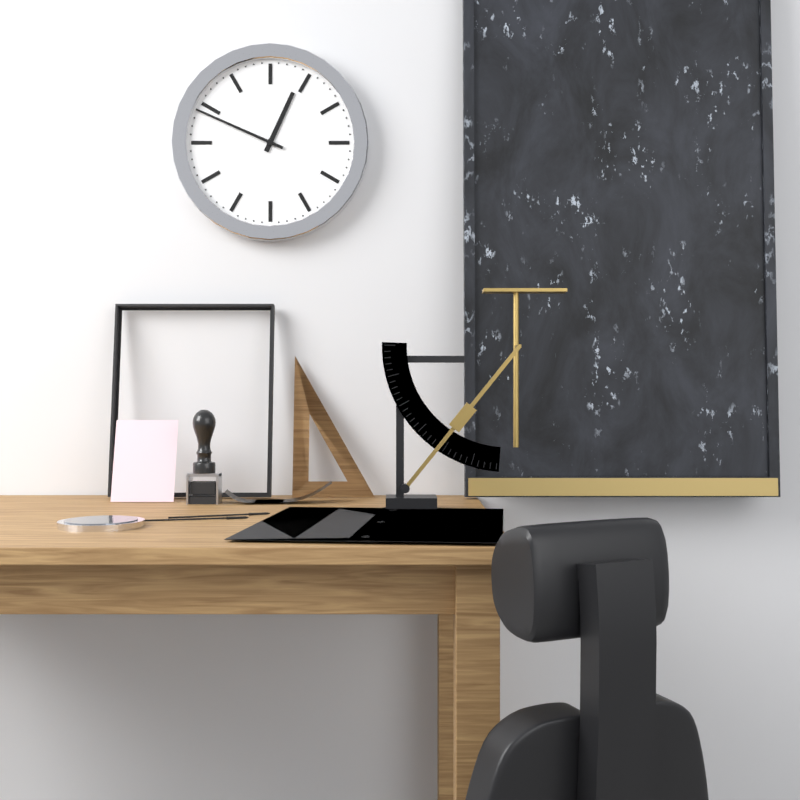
12.49
